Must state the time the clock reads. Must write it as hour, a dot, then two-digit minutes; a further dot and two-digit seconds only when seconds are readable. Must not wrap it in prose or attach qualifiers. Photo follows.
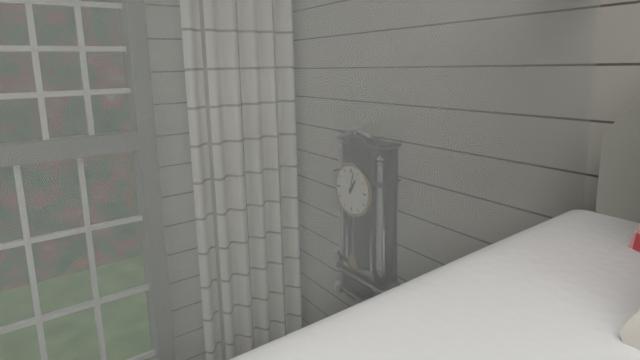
1.02
